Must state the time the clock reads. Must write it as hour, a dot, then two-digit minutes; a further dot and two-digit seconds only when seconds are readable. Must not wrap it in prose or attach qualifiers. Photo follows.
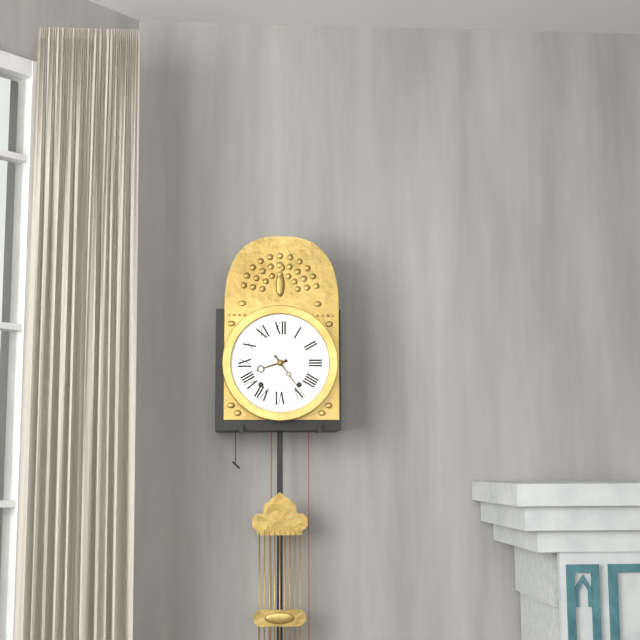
8.24
